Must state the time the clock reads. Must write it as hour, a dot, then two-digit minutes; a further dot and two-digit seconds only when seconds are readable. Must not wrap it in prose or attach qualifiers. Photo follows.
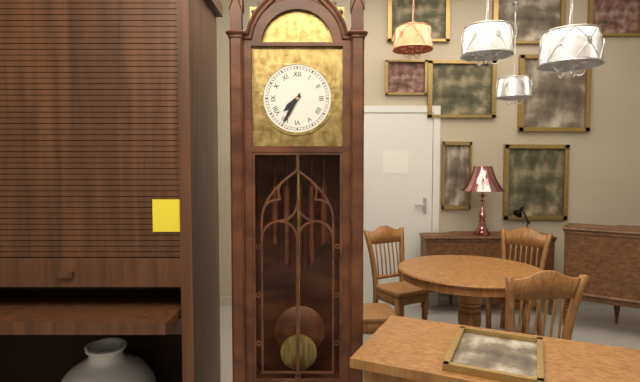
7.35
